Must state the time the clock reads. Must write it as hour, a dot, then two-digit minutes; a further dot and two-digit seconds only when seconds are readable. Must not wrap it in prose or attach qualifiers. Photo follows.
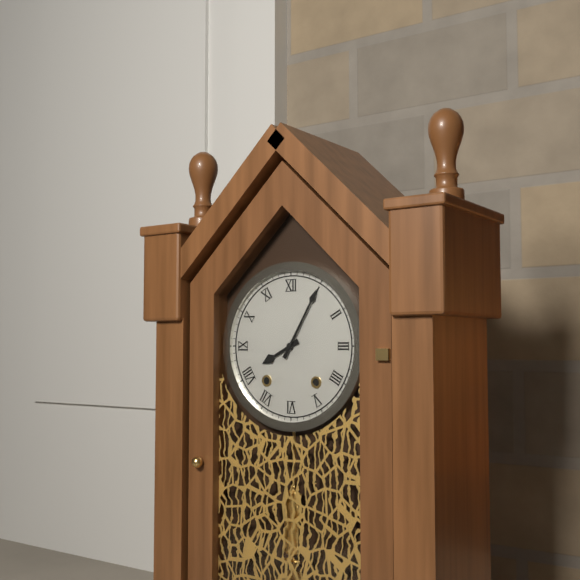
8.05
